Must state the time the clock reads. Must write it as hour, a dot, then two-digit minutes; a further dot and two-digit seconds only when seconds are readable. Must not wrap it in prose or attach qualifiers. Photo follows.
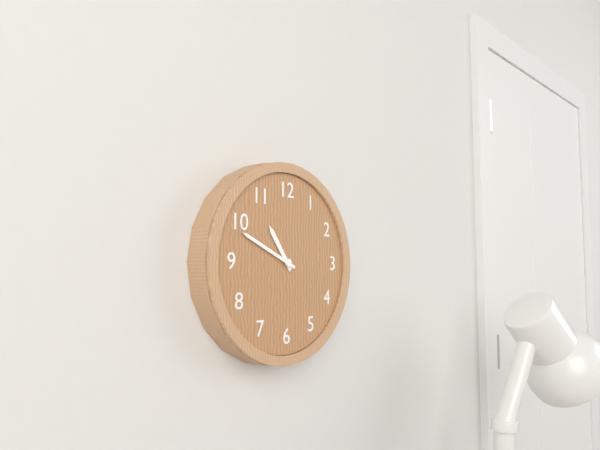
10.49
